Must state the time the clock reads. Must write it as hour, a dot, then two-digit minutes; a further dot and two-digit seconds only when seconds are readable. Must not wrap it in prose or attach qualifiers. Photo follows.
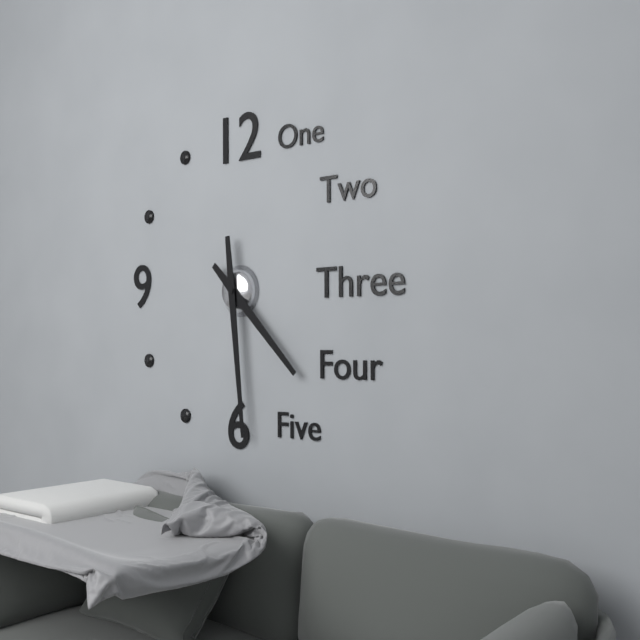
4.29
